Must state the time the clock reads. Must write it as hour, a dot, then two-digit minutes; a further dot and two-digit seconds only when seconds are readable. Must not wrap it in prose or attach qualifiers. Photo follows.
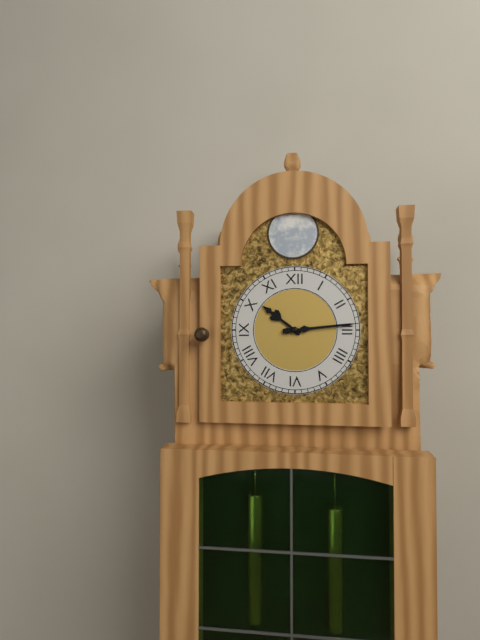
10.14
